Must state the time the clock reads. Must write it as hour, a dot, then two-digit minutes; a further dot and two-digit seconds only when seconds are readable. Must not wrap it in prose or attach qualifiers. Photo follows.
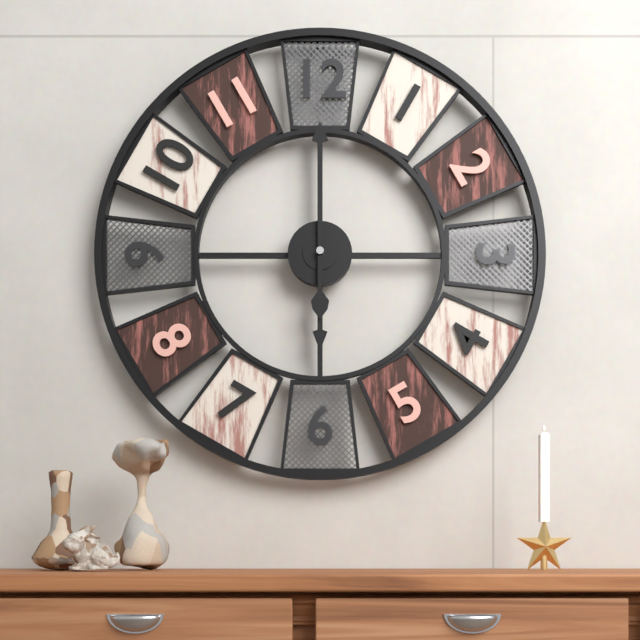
6.00
